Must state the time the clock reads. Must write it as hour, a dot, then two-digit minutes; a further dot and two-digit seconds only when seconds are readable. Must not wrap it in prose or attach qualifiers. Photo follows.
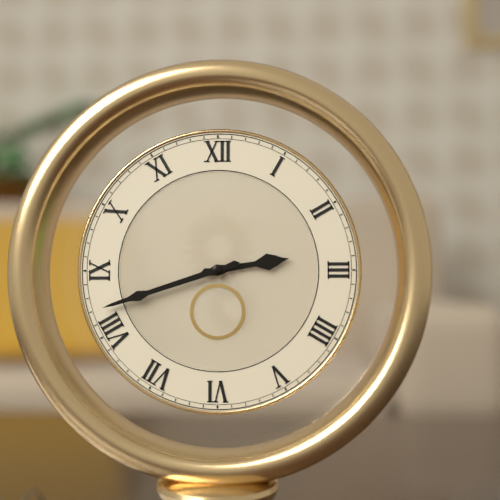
2.42
